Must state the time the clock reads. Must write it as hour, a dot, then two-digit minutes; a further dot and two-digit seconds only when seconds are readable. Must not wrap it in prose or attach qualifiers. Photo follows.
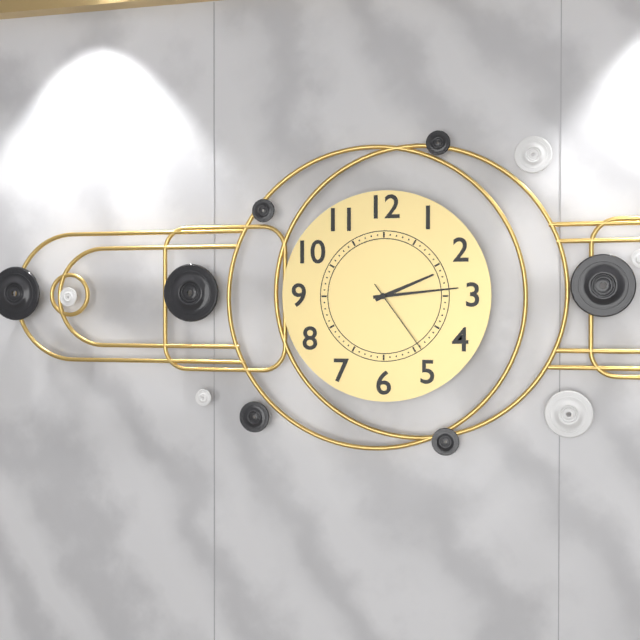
2.14.24
